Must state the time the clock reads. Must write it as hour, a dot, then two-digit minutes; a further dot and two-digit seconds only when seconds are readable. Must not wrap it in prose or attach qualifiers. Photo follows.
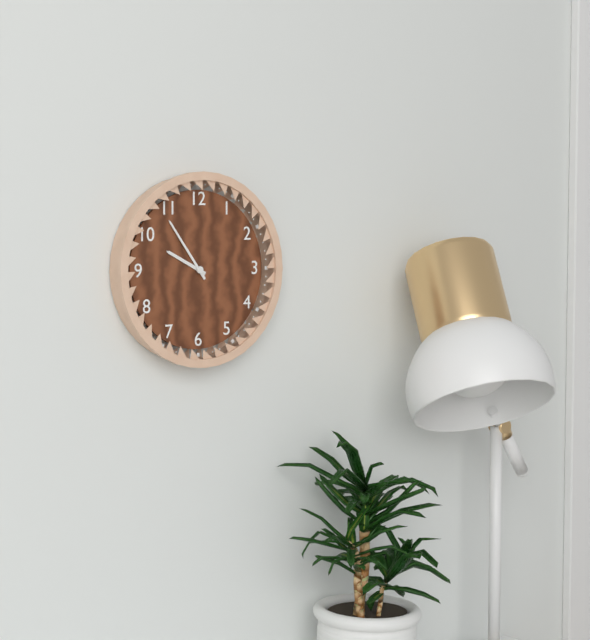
9.54
